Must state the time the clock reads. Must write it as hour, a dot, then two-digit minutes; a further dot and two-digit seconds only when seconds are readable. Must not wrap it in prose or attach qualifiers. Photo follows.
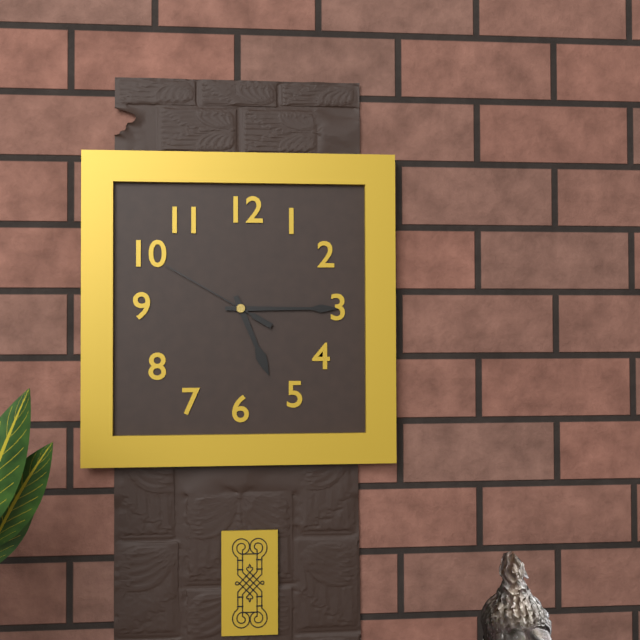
5.15.50
